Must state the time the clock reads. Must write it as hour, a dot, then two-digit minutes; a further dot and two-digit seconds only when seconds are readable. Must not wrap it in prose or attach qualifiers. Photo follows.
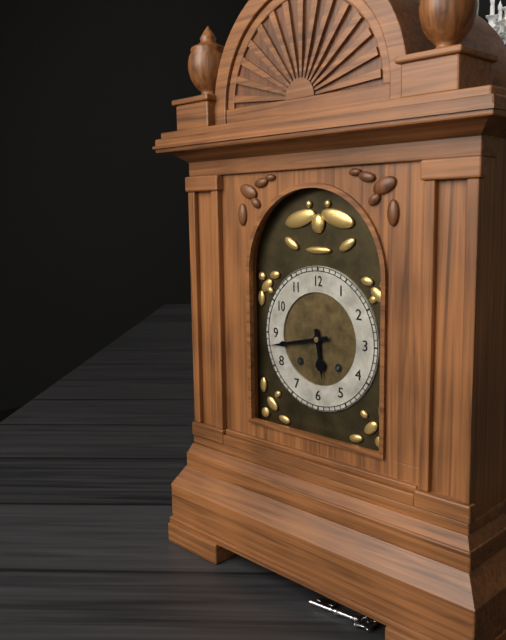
5.43
